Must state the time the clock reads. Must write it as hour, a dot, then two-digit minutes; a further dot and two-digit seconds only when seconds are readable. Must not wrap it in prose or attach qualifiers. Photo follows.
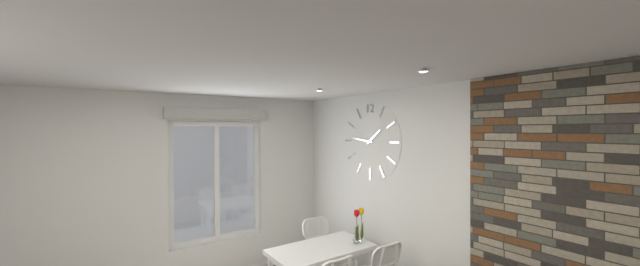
1.46
